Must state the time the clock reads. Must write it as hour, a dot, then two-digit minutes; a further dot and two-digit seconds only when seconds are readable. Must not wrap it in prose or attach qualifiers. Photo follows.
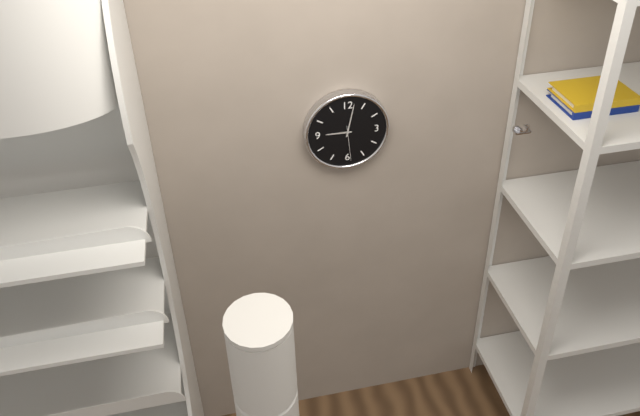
9.02
